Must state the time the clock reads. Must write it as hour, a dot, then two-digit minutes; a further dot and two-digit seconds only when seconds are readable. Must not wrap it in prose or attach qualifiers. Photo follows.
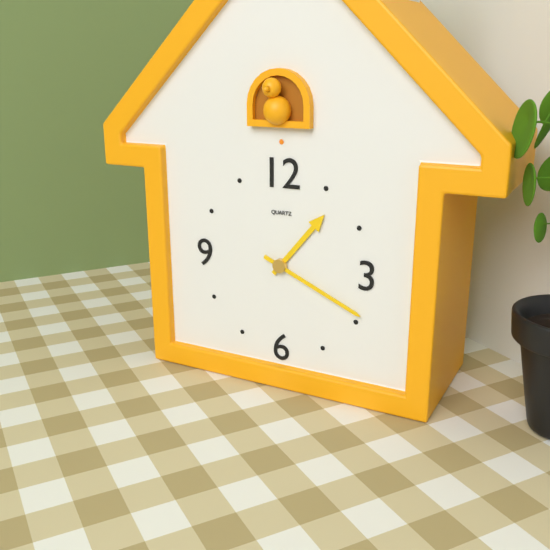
1.19
